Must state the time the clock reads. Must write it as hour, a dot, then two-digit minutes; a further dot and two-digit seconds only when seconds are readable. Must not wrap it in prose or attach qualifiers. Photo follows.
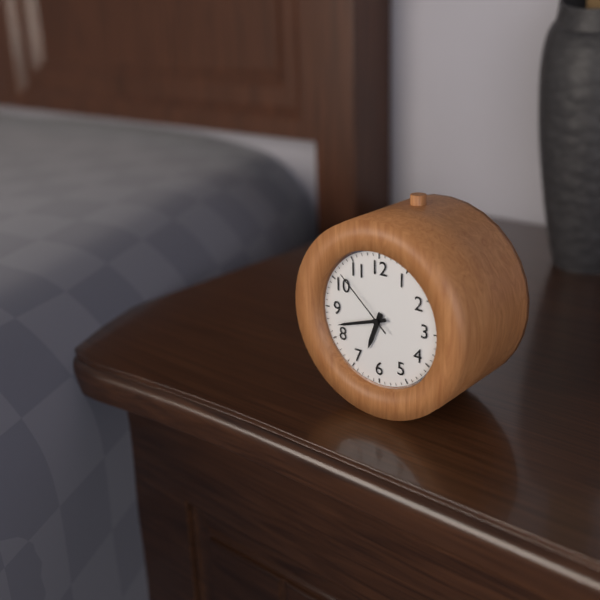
6.42.52
